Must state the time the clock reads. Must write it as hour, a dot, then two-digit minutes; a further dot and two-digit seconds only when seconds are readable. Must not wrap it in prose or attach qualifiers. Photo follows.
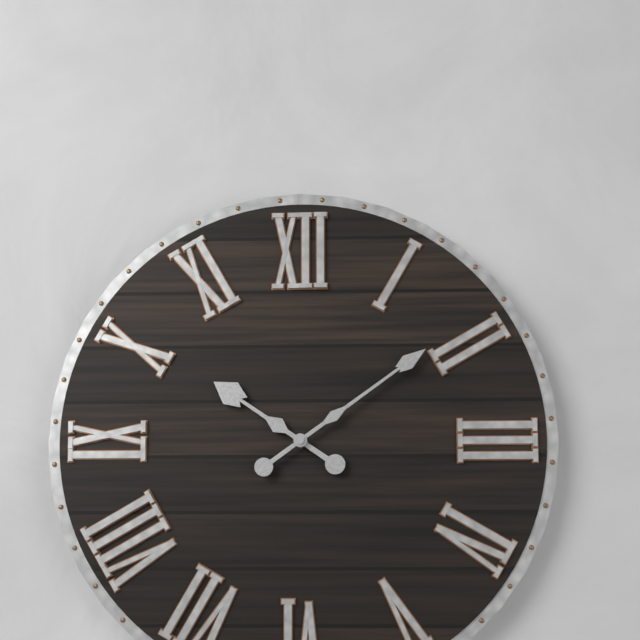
10.09
